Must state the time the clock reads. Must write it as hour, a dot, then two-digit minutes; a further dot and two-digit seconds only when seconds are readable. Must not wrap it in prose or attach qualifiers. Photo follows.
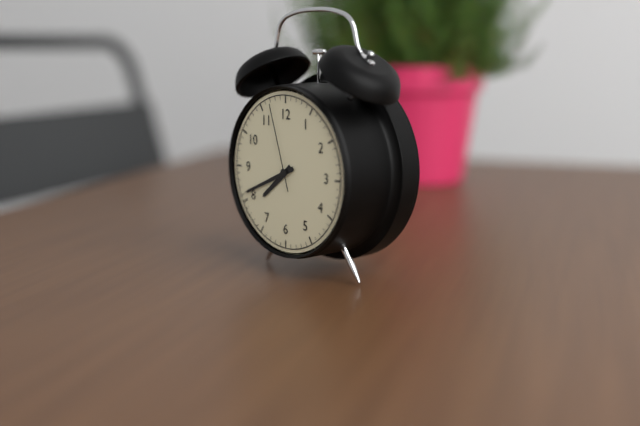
7.41.57
